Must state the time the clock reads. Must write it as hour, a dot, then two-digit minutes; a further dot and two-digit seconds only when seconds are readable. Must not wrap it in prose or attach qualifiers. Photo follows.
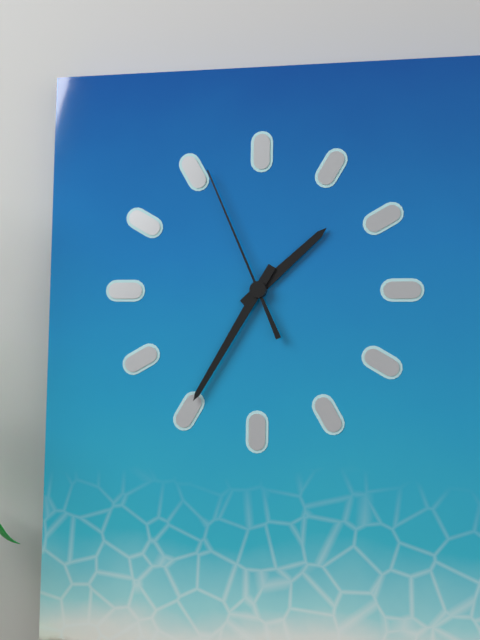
1.35.56
